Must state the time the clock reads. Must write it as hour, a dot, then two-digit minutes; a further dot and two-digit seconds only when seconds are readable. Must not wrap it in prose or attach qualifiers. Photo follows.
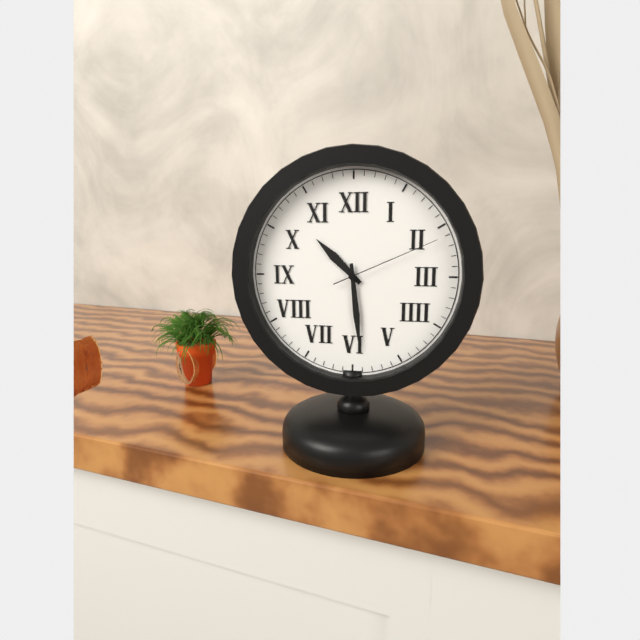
10.29.11
